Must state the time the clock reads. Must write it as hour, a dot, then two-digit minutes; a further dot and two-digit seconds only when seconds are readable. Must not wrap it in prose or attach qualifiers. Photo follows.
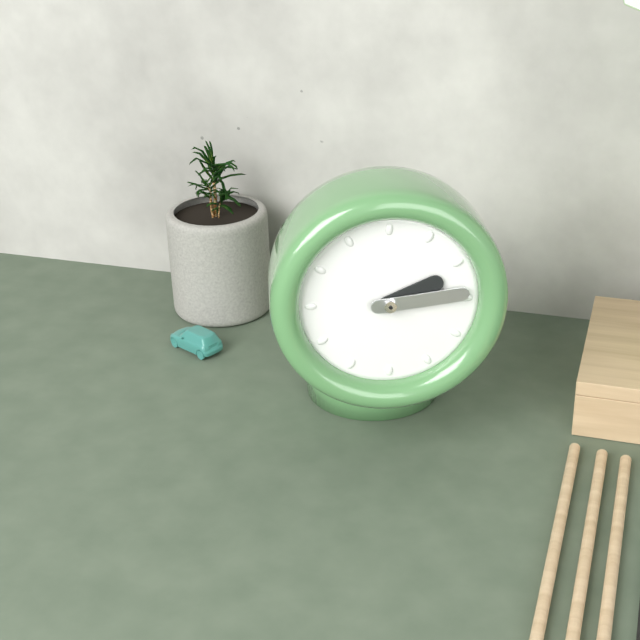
2.14
